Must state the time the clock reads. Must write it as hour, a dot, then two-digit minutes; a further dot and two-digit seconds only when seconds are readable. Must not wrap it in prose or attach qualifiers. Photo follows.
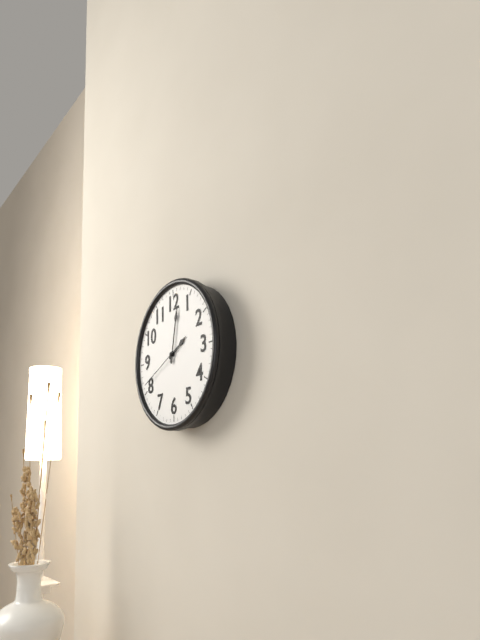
2.02.41
